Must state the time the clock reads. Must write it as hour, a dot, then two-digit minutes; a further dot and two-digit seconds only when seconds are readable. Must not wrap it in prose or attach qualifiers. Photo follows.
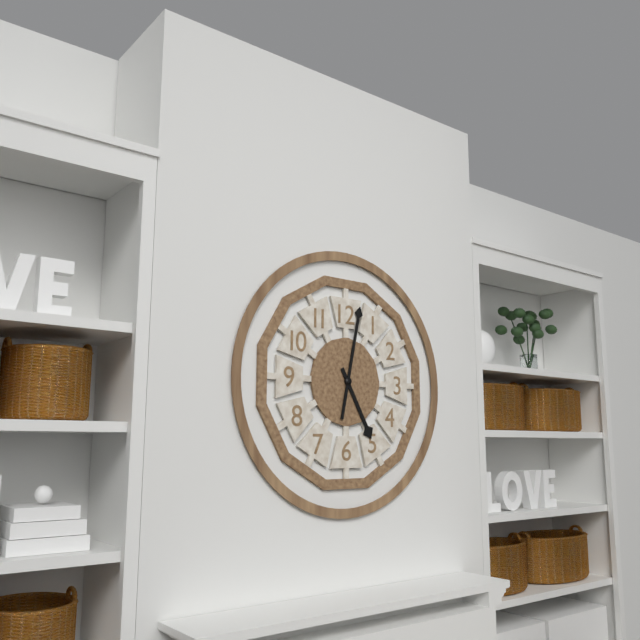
5.02
